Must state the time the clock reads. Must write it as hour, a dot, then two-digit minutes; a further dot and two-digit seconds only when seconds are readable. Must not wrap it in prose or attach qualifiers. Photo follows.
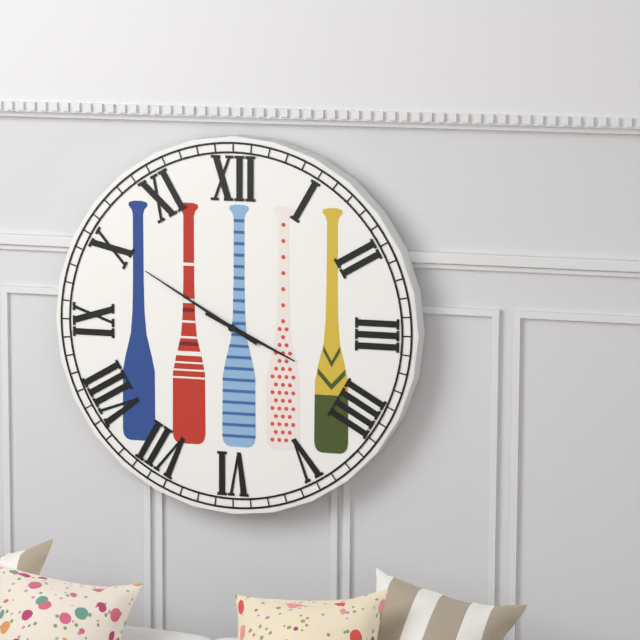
3.50
